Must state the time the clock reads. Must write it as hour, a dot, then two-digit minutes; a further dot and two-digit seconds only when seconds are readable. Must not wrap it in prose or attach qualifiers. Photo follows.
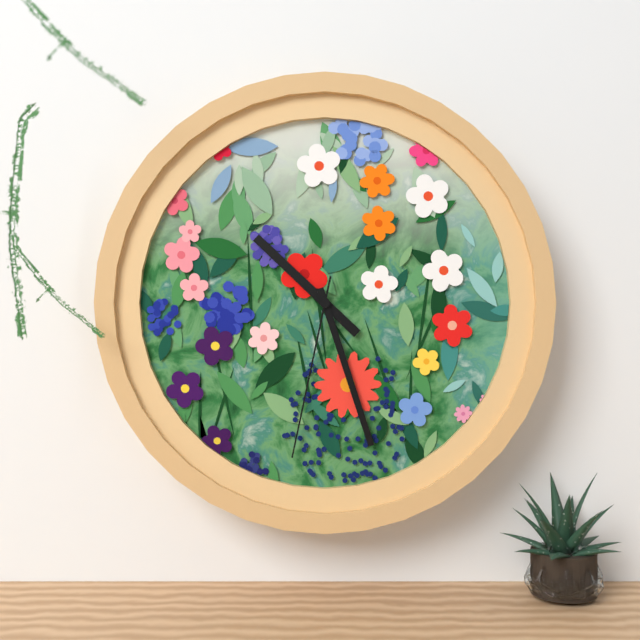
10.27.32
